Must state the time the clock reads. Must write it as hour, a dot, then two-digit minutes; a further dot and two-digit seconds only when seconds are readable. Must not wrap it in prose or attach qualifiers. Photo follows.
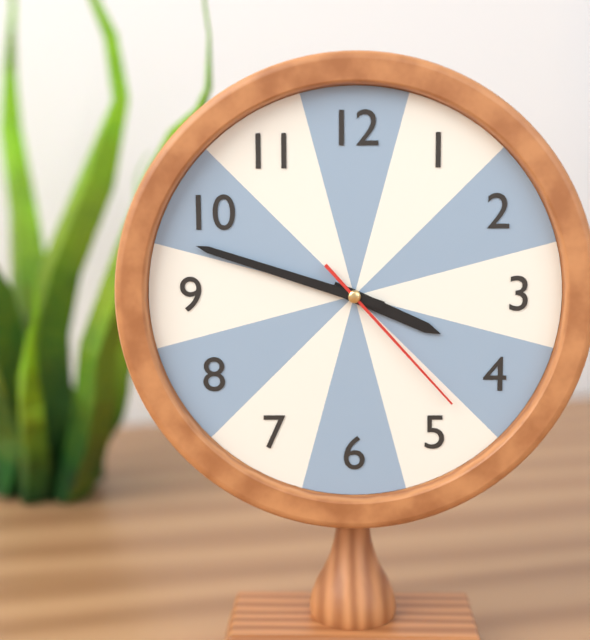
3.48.23
